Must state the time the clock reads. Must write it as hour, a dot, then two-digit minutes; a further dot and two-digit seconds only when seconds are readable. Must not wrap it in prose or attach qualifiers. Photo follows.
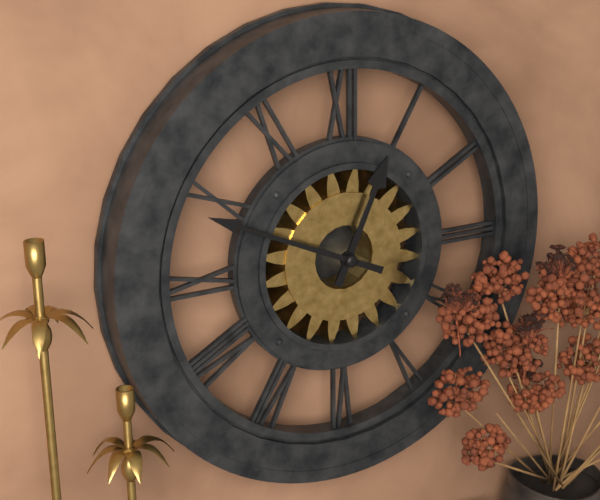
12.49
